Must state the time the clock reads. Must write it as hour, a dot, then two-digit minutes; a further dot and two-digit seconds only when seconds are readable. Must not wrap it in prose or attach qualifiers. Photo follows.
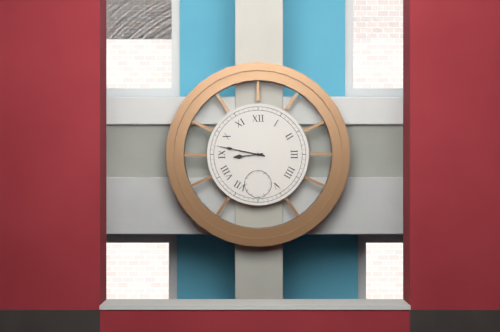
8.47
